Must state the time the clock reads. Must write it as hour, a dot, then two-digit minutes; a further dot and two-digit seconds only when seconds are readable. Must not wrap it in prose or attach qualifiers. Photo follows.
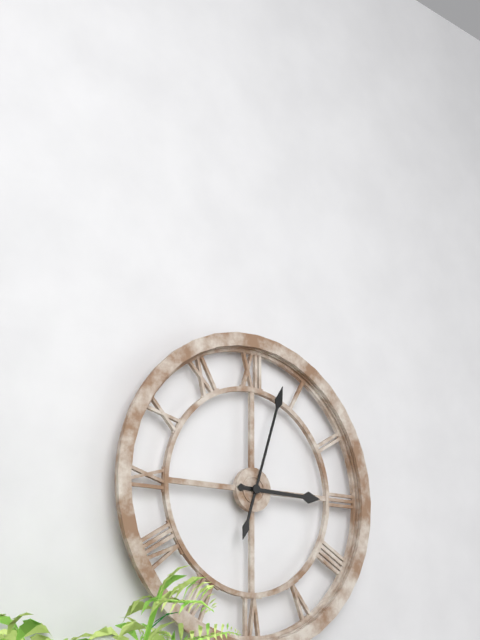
3.03
